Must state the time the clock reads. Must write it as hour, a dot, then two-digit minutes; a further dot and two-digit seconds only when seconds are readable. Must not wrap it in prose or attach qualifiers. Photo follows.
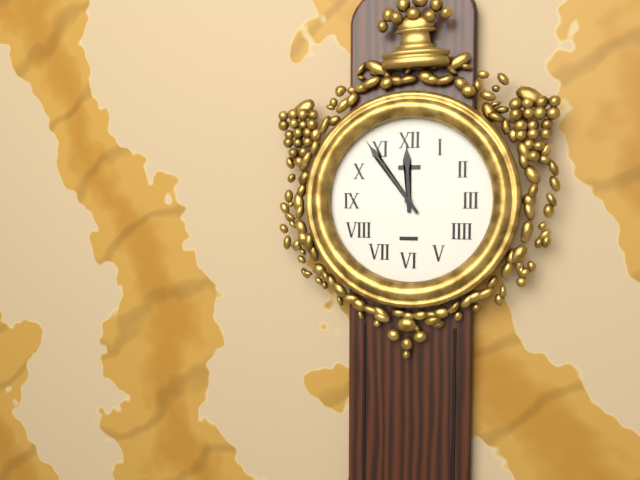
11.54
